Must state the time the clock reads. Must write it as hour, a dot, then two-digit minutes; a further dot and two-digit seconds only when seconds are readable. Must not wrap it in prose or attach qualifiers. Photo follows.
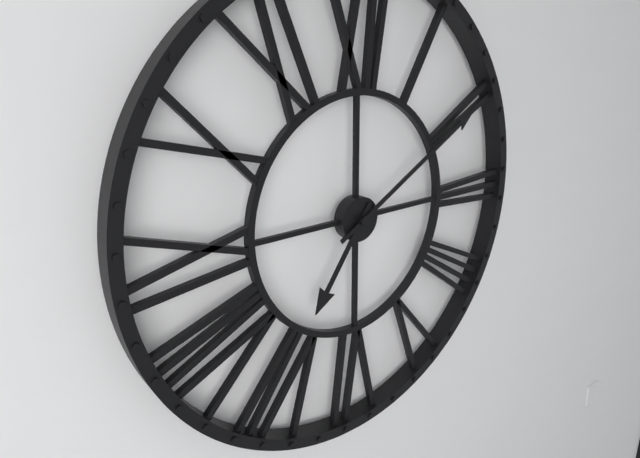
7.10
